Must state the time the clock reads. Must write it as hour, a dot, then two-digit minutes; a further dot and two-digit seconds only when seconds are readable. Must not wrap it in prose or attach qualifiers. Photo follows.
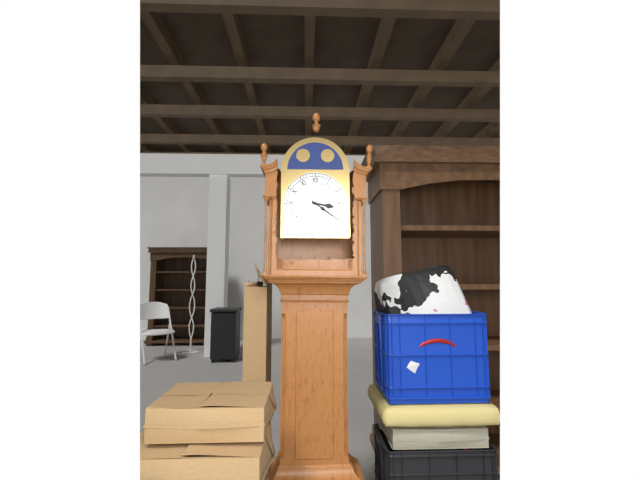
3.21
